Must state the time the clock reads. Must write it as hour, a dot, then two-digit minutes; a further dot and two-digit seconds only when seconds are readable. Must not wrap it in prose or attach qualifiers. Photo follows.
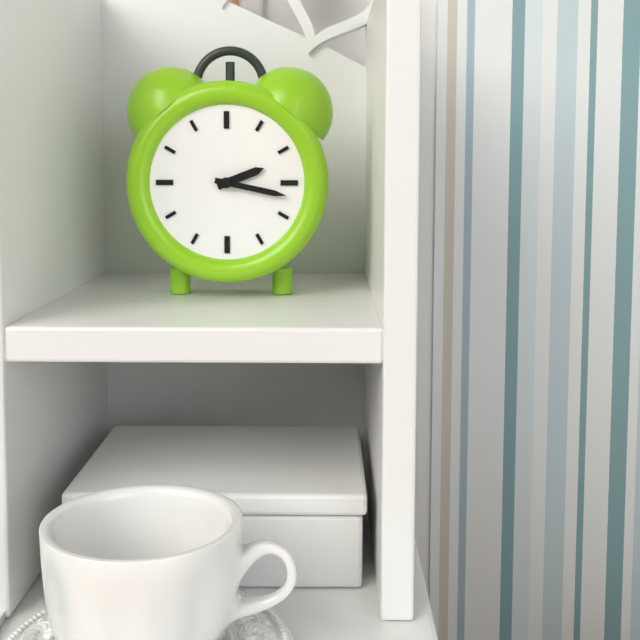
2.17
